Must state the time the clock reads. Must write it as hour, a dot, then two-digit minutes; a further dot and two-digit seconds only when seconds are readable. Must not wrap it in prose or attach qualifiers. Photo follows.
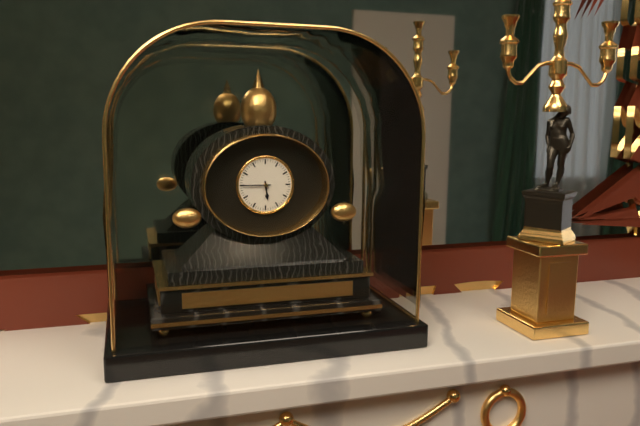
5.45
